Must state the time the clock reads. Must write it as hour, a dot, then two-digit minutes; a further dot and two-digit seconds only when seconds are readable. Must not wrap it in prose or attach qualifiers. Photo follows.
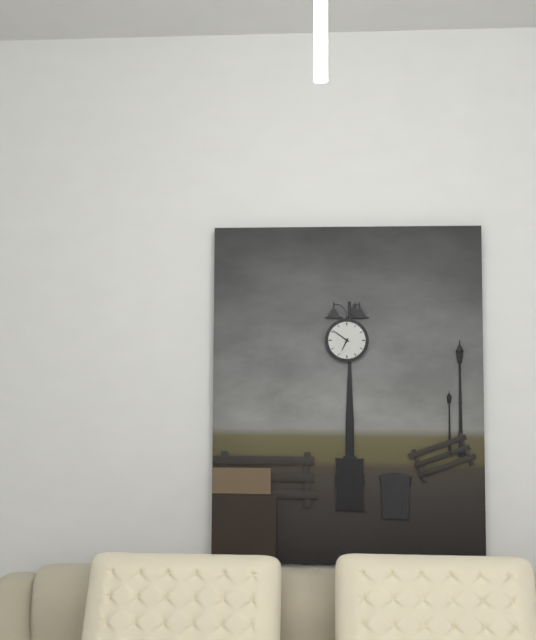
6.51
